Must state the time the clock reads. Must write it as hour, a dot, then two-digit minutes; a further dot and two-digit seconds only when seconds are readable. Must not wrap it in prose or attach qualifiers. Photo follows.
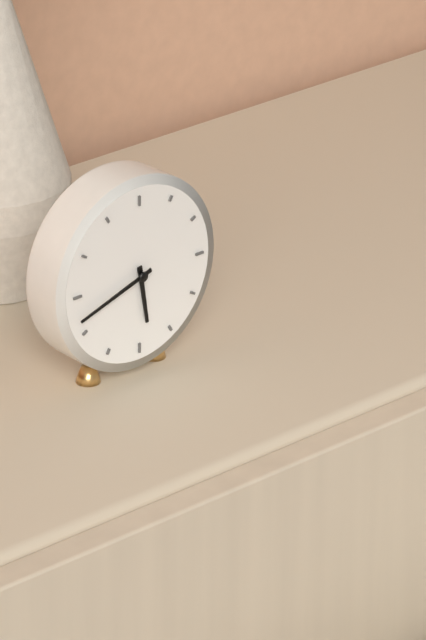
5.42
